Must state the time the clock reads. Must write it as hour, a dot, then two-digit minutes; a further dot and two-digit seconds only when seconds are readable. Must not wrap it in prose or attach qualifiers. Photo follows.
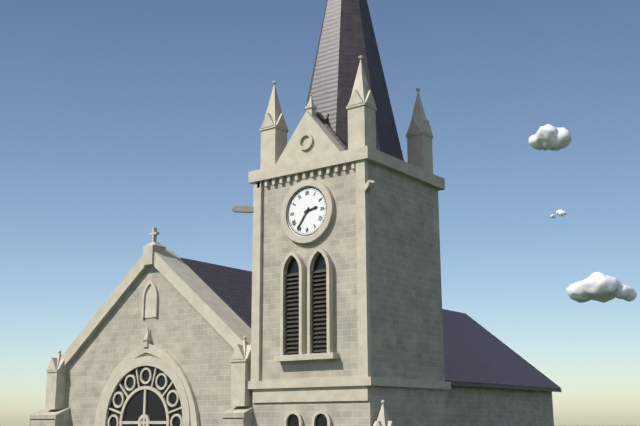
2.36
